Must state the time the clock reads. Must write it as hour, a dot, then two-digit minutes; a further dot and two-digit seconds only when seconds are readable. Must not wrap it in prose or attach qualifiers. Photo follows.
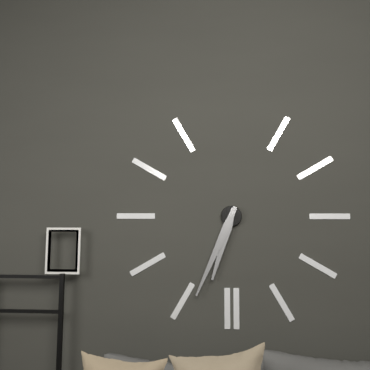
6.34
